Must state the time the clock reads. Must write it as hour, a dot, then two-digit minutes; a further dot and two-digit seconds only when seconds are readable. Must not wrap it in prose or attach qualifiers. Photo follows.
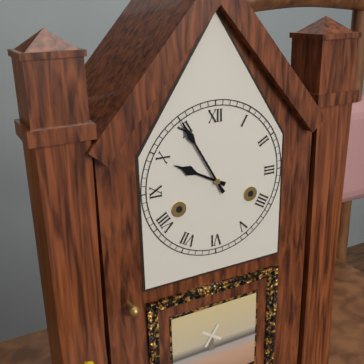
9.55
